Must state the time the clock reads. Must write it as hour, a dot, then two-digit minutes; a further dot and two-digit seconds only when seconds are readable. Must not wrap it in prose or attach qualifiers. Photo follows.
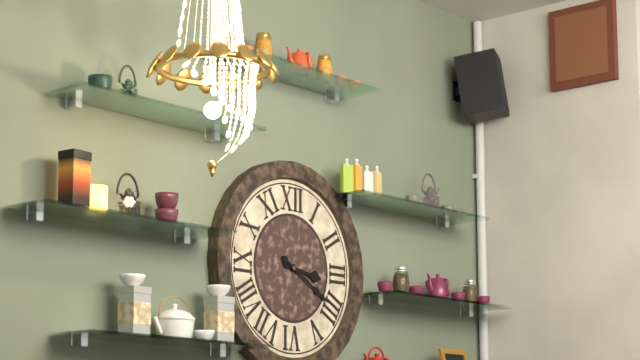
3.20
